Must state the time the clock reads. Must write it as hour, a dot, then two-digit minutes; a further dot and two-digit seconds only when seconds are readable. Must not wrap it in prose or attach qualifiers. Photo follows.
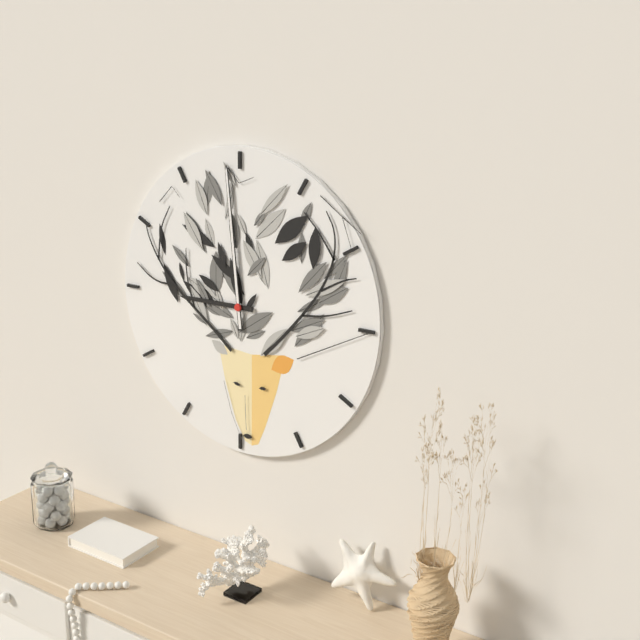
8.59
